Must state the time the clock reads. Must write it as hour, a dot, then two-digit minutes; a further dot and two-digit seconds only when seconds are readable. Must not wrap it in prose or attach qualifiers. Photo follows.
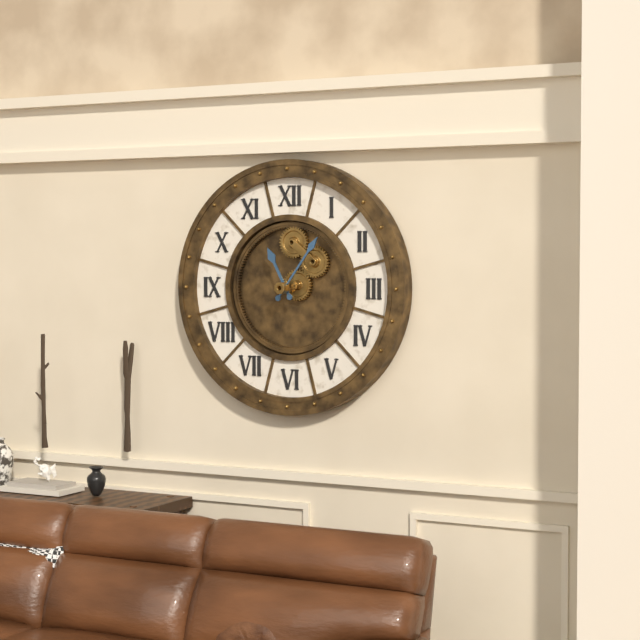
11.06
